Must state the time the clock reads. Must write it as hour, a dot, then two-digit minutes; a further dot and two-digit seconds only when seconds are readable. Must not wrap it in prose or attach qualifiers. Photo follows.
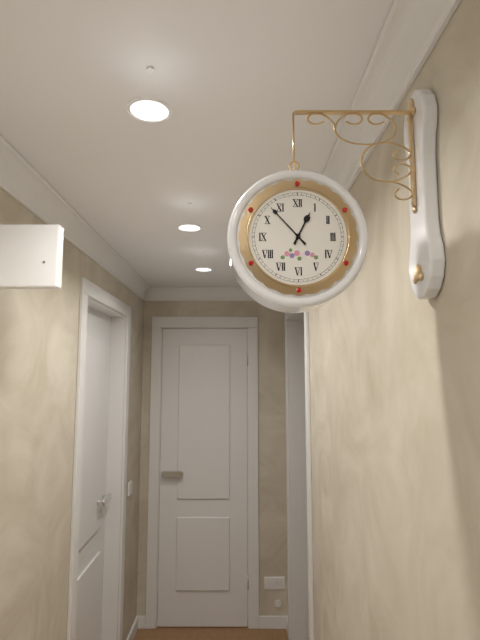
12.53
